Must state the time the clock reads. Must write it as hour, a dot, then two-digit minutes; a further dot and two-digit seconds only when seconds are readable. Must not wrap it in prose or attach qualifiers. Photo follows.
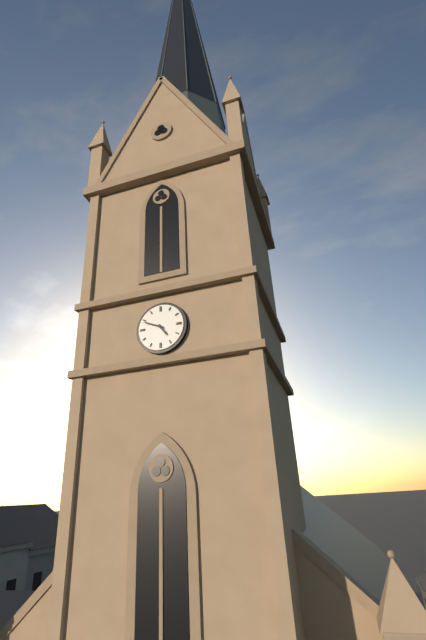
4.49
